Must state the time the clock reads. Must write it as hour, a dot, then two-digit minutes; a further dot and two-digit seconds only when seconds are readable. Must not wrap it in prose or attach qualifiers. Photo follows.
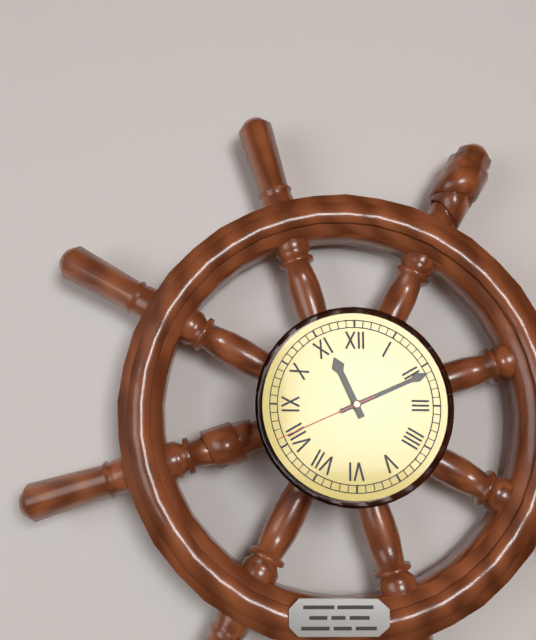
11.11.41
